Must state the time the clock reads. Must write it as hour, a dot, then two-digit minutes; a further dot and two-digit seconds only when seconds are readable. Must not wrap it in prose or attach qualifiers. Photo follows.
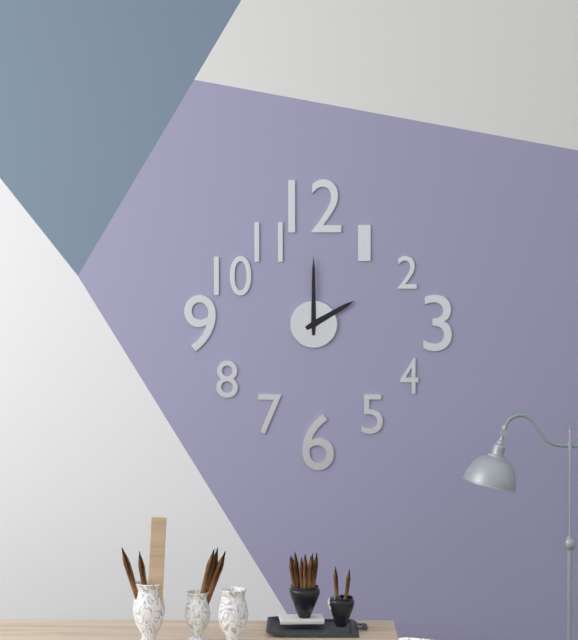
2.00
